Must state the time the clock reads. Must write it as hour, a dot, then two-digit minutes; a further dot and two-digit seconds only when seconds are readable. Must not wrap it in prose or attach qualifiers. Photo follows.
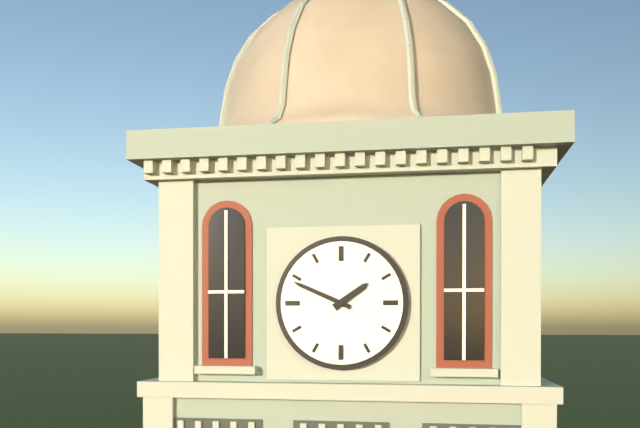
1.49
